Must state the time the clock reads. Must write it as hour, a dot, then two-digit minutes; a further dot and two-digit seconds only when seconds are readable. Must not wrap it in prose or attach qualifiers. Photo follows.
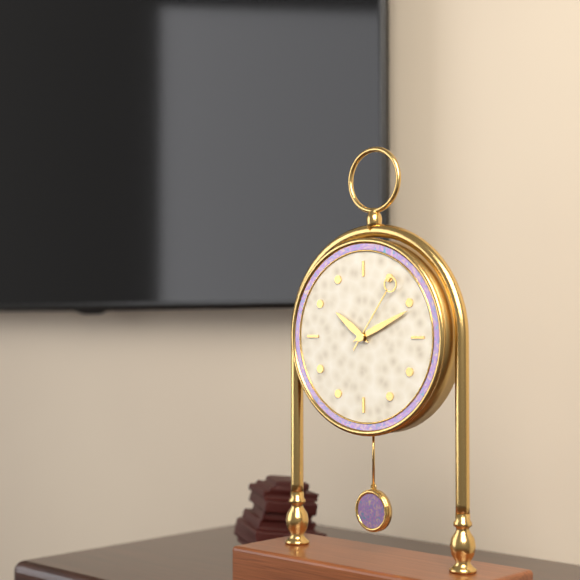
10.11.06
